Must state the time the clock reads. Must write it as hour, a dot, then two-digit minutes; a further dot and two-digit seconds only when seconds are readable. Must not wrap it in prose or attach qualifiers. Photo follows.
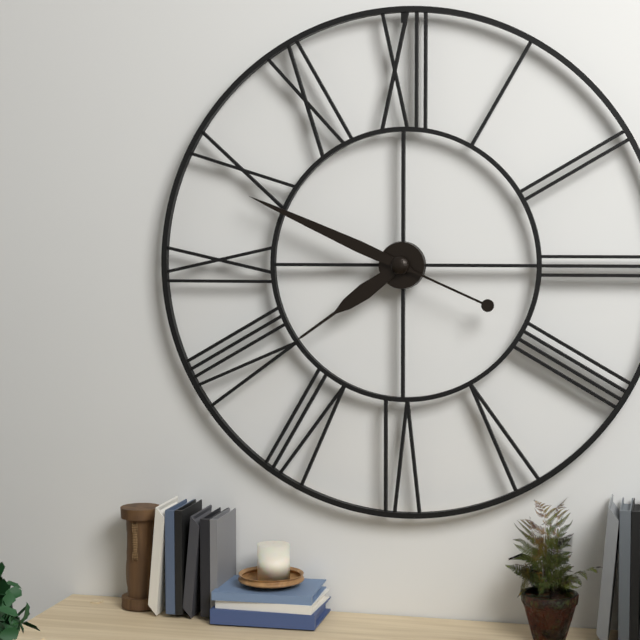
7.49
